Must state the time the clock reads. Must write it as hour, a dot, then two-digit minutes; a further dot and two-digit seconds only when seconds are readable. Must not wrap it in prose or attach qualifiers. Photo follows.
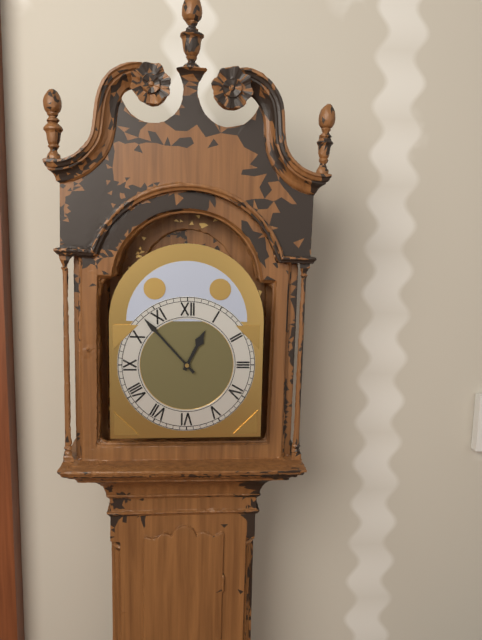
12.53
